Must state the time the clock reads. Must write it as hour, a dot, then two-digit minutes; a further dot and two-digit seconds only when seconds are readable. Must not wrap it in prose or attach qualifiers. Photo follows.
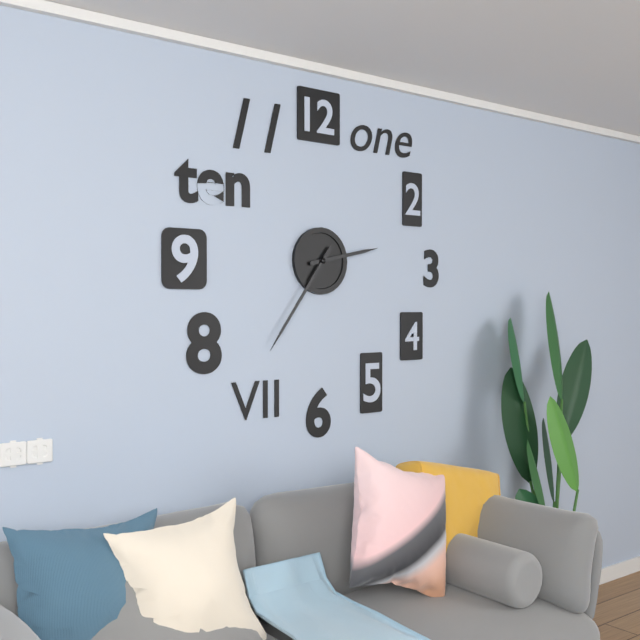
2.36
